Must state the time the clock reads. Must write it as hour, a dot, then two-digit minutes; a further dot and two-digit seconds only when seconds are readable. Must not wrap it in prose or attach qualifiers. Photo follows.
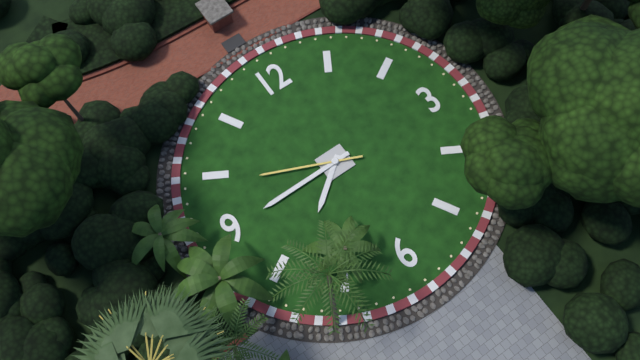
7.45.49
